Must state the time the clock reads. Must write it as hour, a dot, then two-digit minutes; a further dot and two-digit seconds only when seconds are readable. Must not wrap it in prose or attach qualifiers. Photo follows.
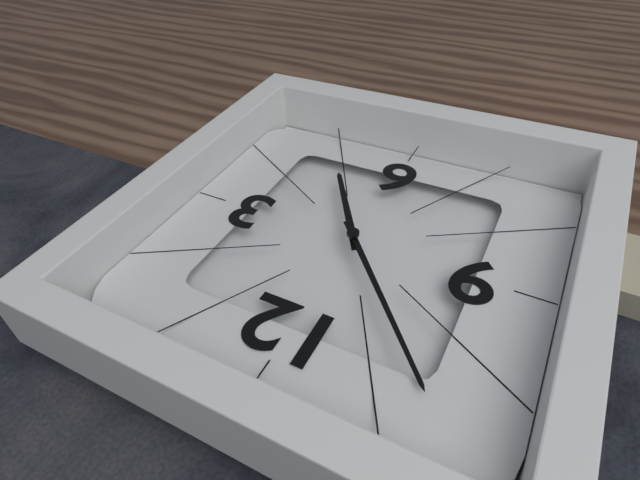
4.53
